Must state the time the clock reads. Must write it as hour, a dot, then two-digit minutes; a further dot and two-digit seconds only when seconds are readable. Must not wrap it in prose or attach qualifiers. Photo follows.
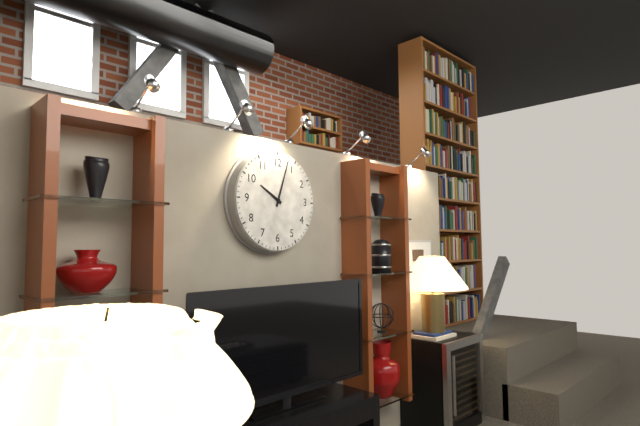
10.03
